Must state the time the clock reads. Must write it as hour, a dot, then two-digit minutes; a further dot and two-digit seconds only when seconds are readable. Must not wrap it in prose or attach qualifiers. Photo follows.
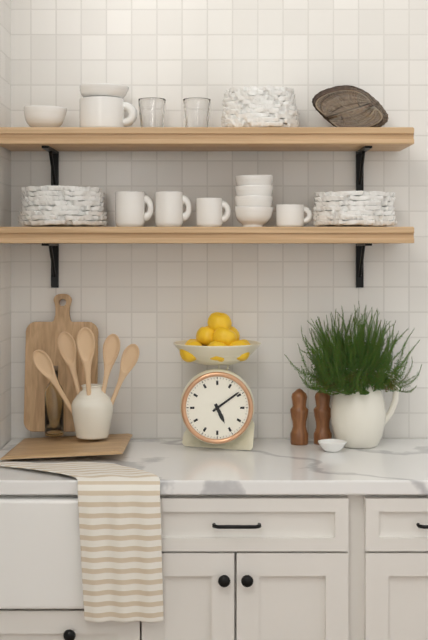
5.09
